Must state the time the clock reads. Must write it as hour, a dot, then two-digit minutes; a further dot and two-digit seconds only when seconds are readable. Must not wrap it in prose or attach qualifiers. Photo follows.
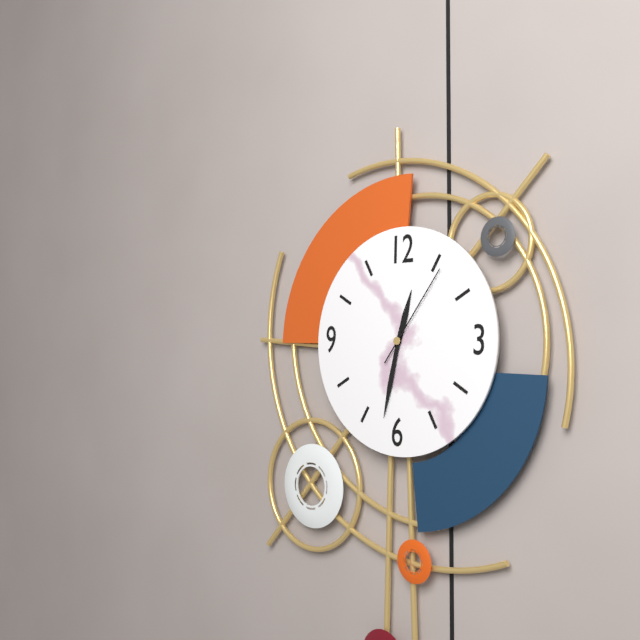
12.32.06
